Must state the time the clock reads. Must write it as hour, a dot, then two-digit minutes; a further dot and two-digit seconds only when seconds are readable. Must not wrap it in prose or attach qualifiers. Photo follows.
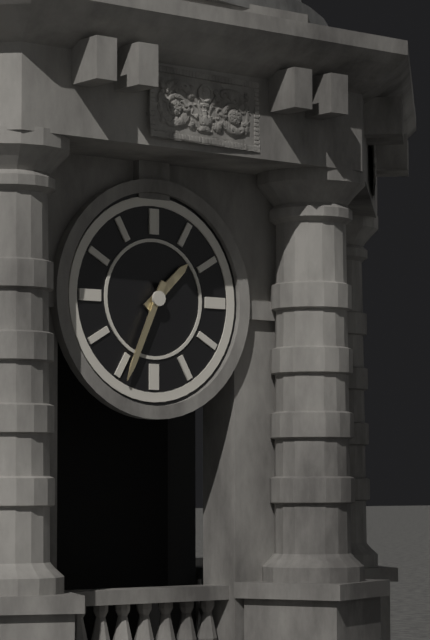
1.34
